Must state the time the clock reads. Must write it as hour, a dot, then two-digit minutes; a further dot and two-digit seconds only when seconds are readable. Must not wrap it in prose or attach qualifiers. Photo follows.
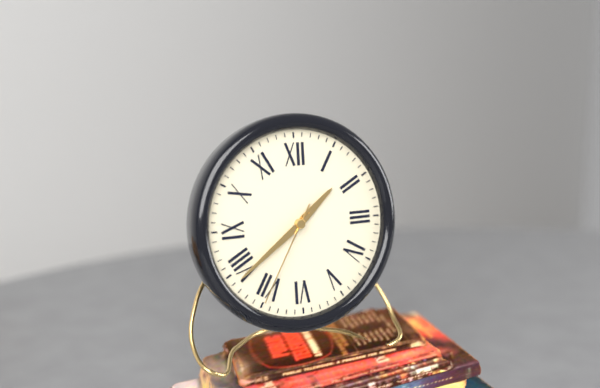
1.39.35
